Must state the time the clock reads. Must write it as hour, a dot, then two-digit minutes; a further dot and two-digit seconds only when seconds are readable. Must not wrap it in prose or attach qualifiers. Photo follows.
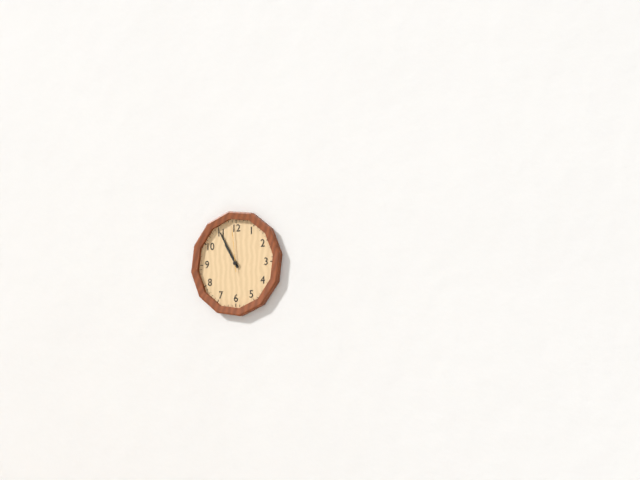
10.55
